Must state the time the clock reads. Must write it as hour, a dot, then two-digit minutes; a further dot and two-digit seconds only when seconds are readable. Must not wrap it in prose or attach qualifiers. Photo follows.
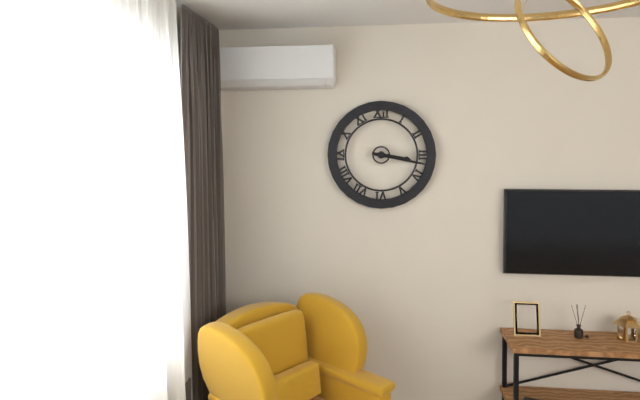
3.17
